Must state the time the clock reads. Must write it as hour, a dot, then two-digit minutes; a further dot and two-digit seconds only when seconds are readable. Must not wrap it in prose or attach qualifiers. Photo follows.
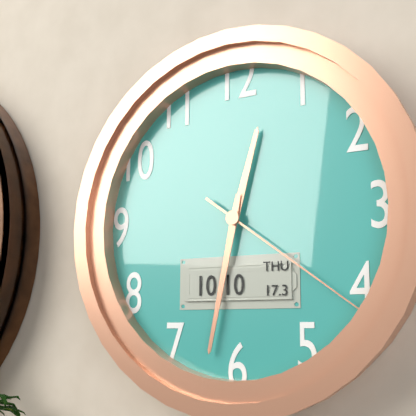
12.32.21
